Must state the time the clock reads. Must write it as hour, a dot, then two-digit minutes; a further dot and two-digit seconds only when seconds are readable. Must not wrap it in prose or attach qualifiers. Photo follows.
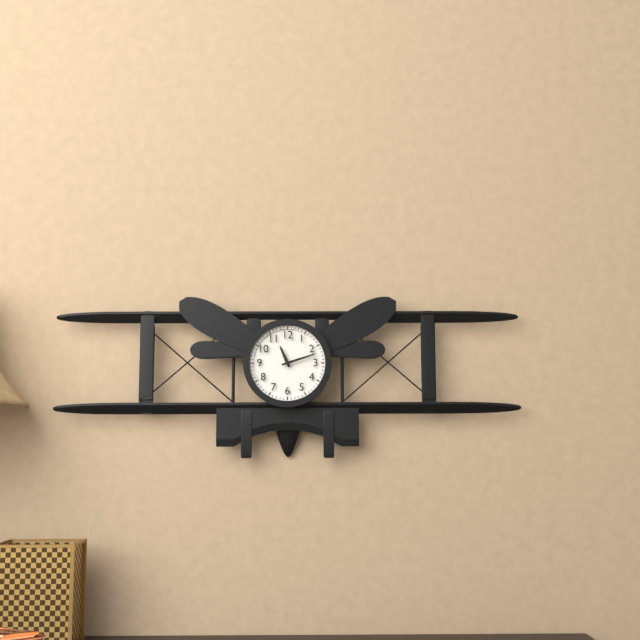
11.12
